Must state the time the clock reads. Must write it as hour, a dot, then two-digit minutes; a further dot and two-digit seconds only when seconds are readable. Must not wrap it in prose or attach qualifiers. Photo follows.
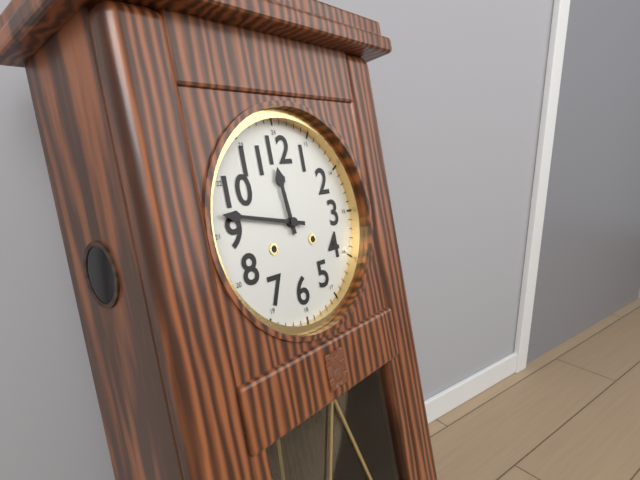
11.47
